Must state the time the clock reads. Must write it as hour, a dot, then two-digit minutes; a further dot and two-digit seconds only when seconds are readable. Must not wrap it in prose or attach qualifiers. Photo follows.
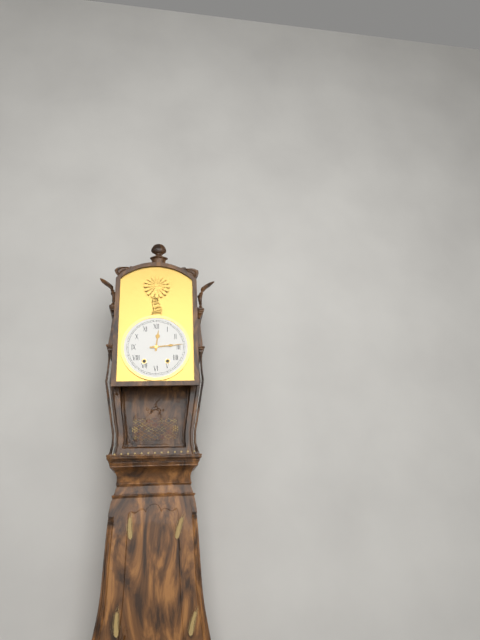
12.14
